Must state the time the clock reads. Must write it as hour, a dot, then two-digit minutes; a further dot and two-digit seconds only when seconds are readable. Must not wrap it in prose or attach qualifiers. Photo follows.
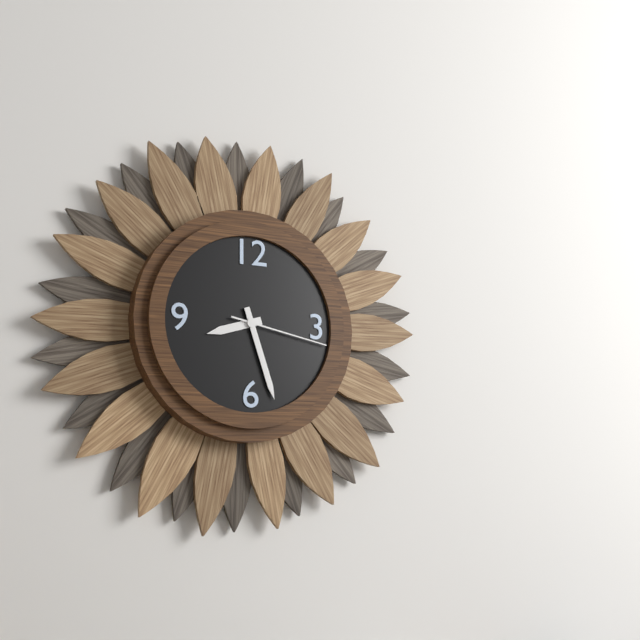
8.27.17
